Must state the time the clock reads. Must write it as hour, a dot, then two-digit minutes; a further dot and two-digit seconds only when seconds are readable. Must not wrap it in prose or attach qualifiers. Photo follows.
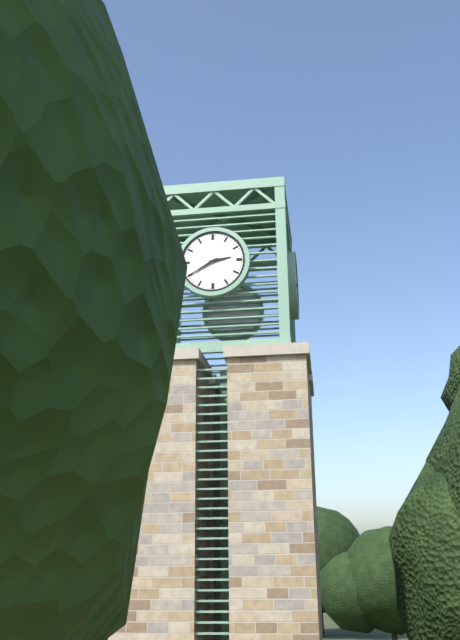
2.40
